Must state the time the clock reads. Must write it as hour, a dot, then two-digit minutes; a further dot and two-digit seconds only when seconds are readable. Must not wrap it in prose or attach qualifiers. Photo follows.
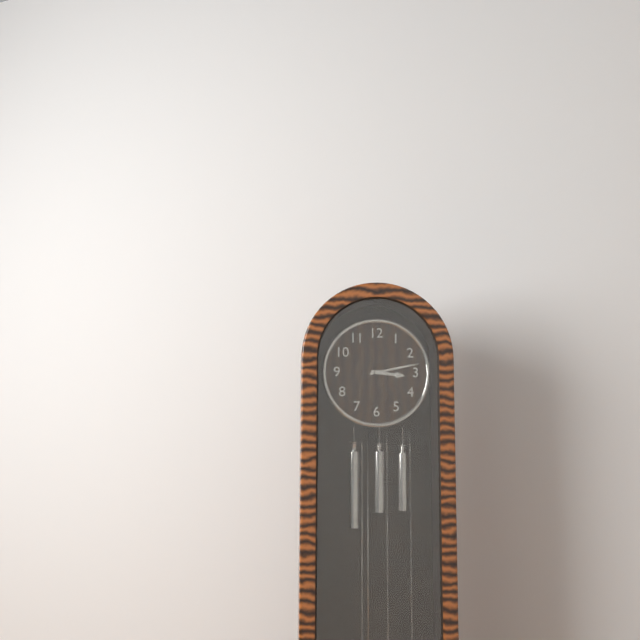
3.13
